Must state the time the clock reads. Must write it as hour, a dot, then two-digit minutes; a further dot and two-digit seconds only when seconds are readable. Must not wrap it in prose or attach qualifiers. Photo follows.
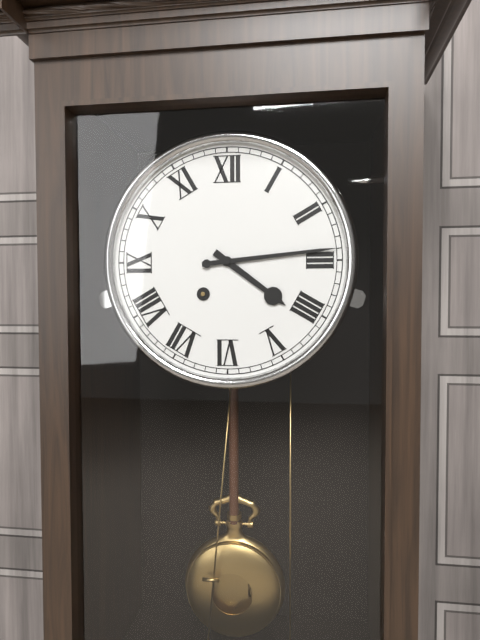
4.14
